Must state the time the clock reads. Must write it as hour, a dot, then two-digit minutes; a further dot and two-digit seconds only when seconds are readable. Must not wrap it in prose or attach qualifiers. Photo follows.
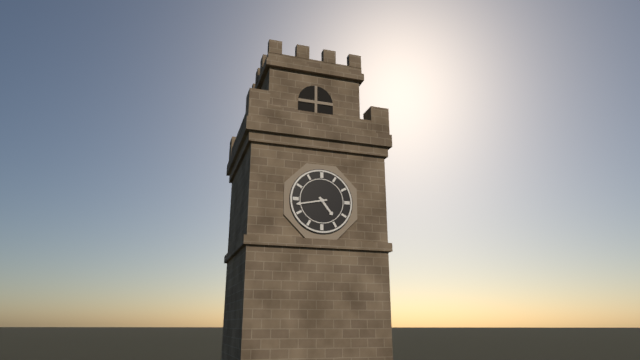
4.43
